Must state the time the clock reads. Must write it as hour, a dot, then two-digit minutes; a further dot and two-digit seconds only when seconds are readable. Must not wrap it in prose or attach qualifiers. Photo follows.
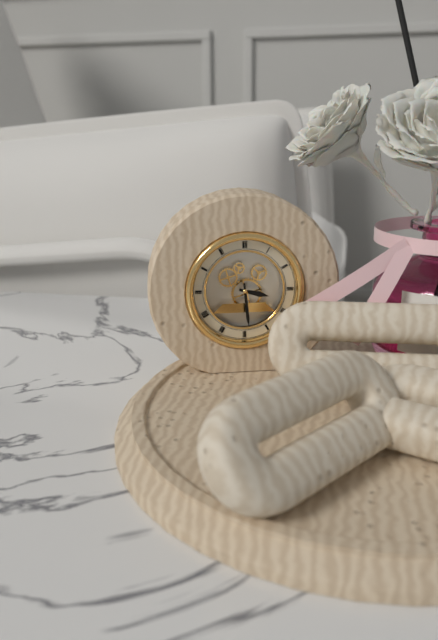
3.29
